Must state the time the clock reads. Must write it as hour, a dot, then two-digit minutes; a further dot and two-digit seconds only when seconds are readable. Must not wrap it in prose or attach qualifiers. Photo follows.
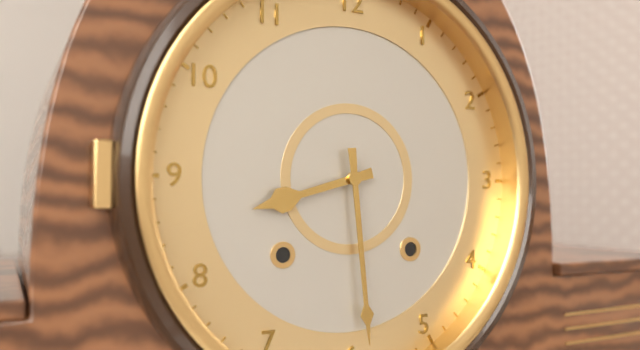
8.29
